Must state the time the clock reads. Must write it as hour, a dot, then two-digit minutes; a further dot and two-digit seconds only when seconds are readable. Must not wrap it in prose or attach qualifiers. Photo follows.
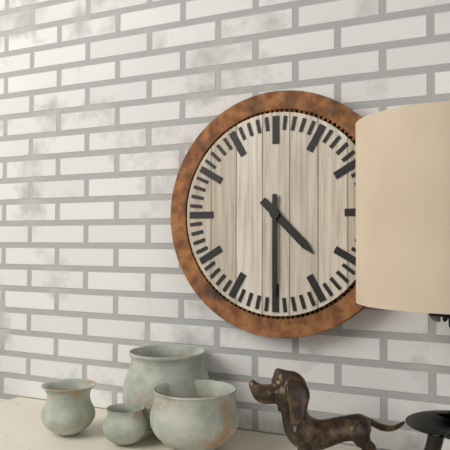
4.30
